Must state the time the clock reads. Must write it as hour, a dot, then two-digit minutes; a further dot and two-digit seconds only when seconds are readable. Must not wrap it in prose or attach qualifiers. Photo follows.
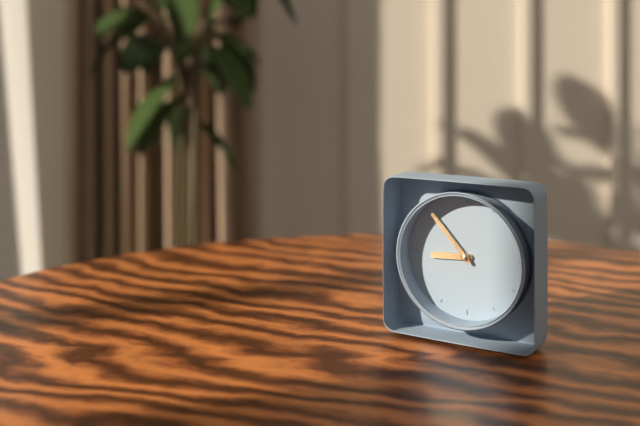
8.53
